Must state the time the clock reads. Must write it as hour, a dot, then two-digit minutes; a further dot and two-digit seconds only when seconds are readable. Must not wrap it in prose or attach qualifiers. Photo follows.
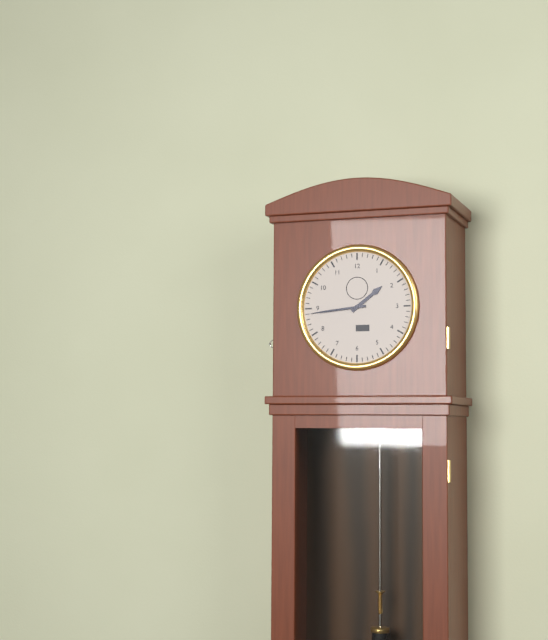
1.44
